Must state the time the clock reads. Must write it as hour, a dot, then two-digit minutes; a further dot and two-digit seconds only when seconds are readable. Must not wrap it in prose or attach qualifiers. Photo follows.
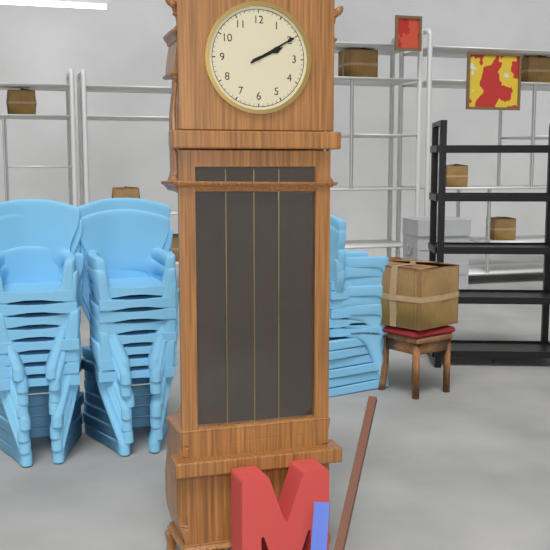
2.10
